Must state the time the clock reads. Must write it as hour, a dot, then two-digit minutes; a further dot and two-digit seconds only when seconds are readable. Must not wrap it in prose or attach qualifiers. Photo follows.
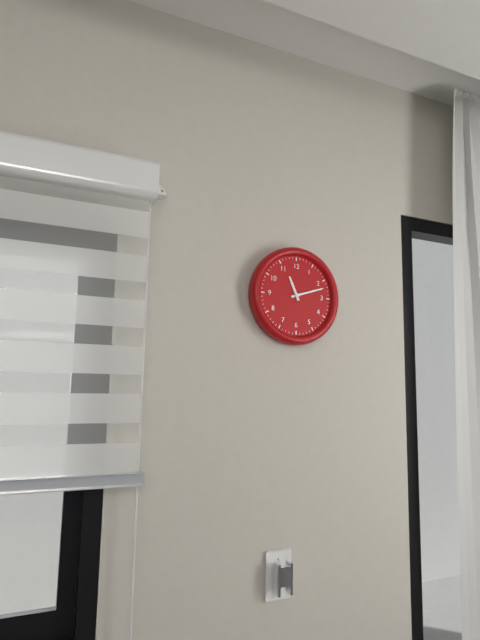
11.12
